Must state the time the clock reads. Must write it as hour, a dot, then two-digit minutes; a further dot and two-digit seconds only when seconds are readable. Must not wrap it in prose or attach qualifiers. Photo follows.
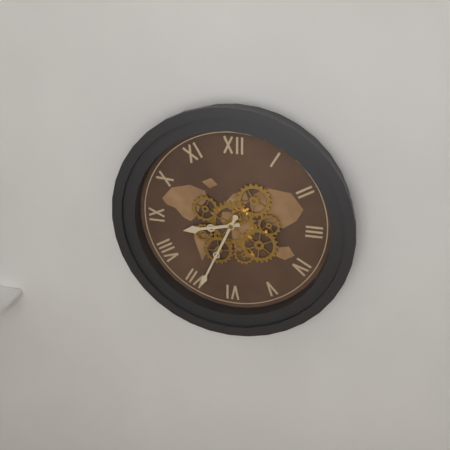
8.34
